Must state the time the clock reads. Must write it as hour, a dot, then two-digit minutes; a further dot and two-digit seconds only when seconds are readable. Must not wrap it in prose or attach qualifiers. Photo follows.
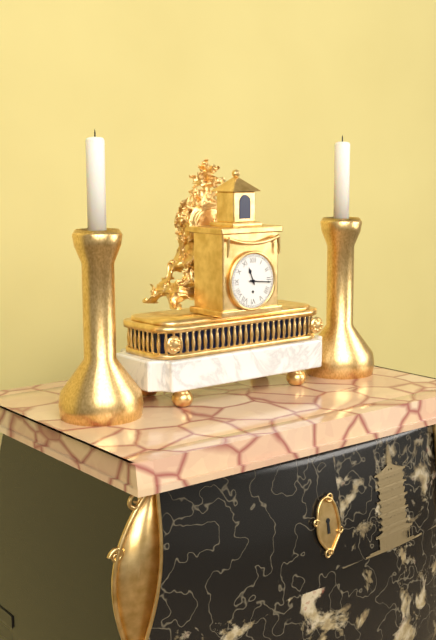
11.16
